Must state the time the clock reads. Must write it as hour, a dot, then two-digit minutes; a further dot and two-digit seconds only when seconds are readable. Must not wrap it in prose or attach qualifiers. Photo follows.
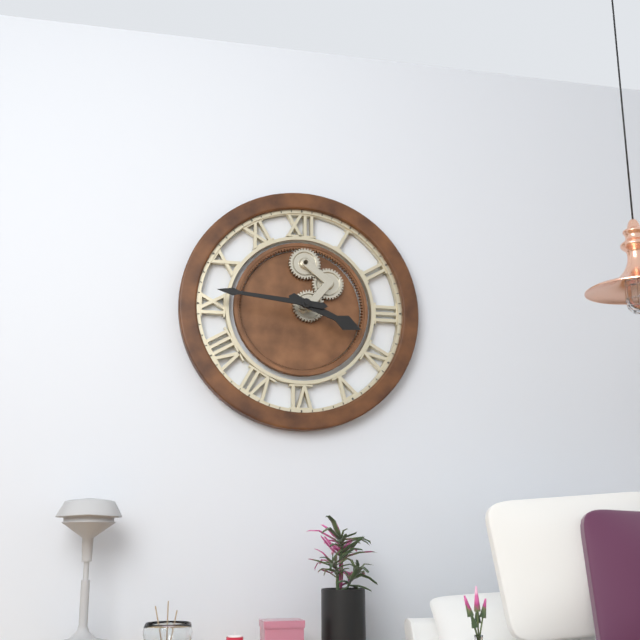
3.46
